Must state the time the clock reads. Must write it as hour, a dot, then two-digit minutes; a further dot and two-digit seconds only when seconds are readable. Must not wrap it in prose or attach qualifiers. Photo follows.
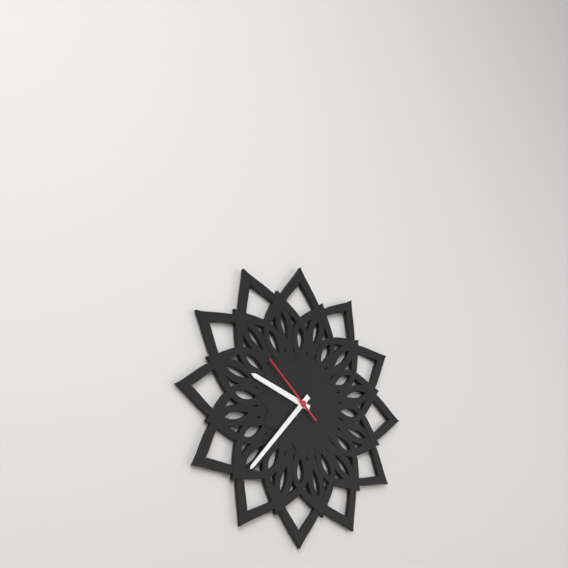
9.37.52
